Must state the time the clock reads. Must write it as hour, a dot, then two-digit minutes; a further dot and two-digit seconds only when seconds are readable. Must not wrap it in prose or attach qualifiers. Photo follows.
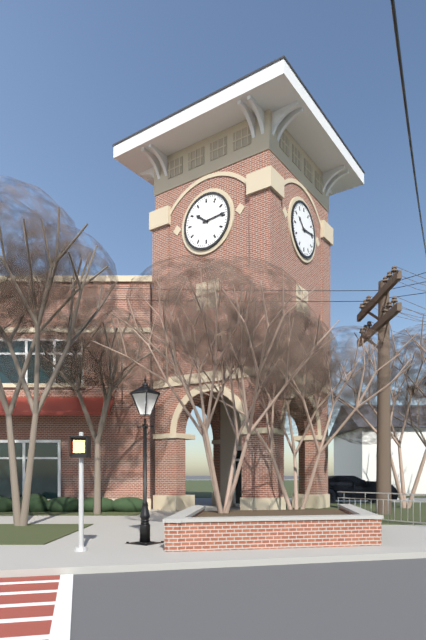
10.14
